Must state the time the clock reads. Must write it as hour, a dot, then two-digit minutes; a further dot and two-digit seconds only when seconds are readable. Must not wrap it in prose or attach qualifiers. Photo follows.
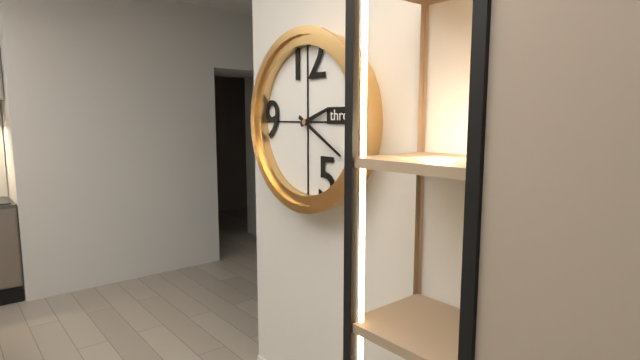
2.20
